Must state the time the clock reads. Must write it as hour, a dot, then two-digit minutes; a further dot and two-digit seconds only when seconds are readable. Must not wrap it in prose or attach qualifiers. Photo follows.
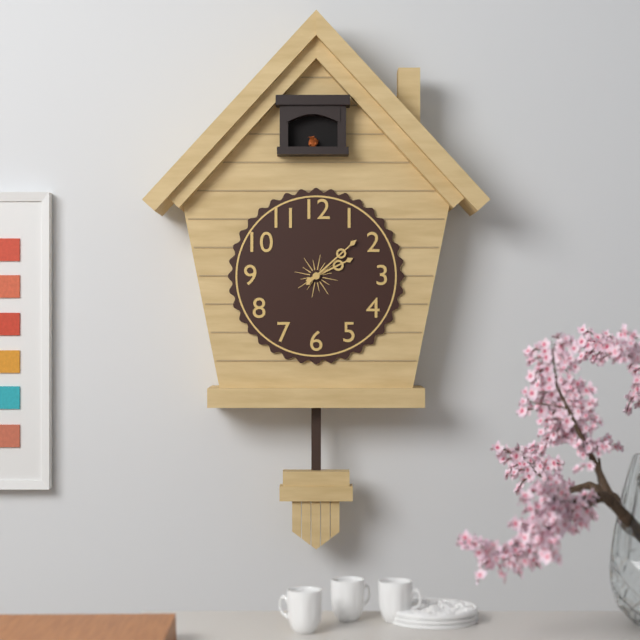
2.08
